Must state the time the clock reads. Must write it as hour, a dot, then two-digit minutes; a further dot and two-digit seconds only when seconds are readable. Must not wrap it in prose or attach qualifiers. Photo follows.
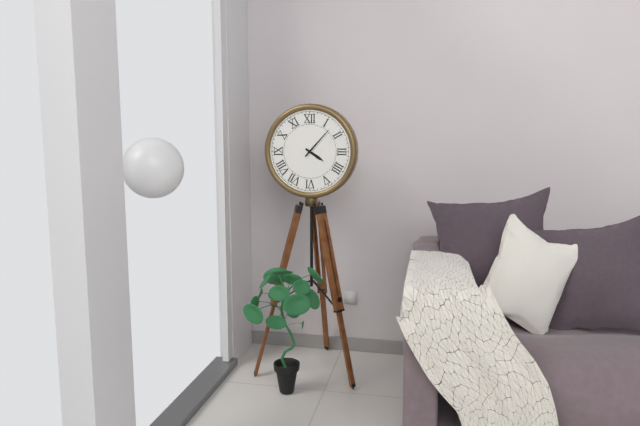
4.07
